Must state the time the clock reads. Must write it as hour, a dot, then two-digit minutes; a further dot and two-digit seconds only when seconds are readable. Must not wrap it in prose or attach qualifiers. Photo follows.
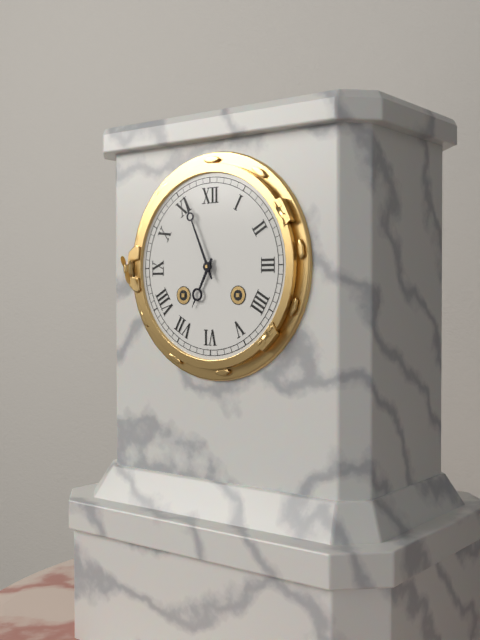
6.56
